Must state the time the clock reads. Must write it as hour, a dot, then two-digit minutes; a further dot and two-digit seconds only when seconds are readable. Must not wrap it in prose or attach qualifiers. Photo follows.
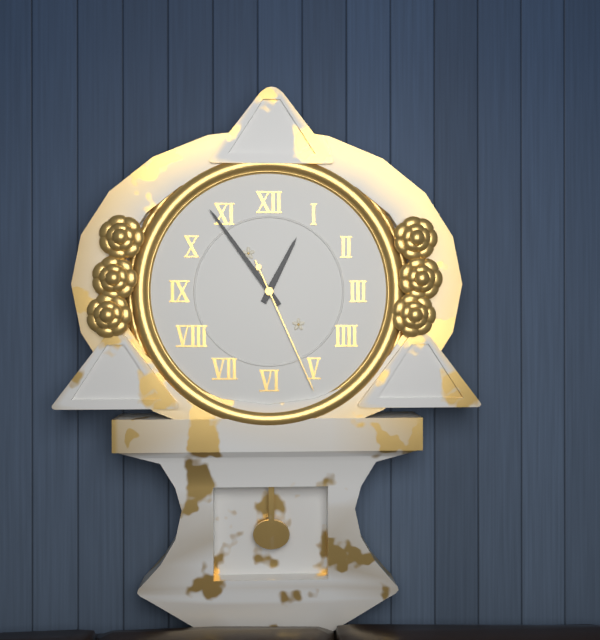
12.54.26
